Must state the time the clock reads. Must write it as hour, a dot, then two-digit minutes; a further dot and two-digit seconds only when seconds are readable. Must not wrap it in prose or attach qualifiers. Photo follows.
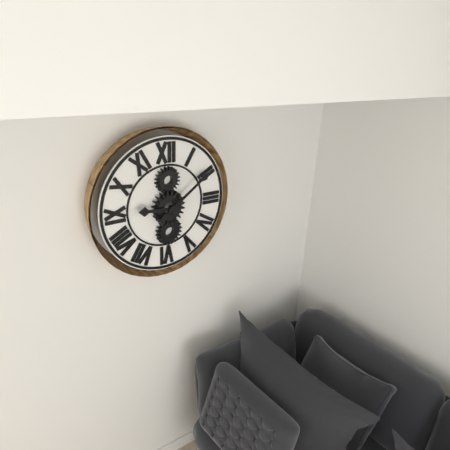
9.09
